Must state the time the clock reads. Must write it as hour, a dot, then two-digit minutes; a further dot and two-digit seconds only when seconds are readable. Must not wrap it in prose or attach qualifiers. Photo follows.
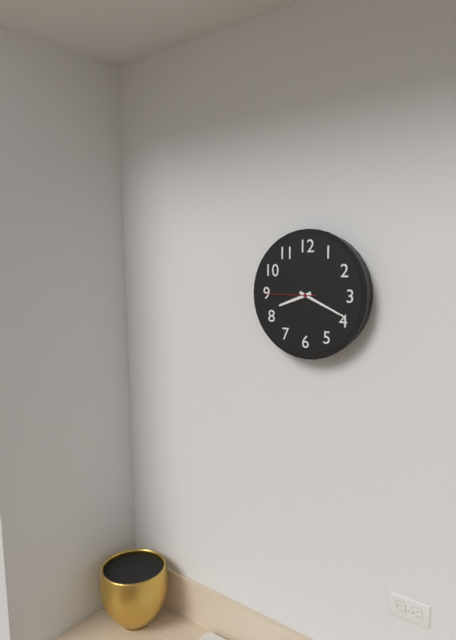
8.19.45
